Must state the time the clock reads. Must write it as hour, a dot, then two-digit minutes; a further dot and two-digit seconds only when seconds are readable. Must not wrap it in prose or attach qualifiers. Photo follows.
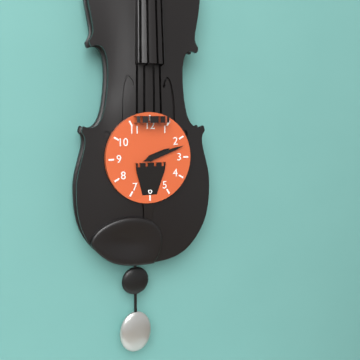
2.12
